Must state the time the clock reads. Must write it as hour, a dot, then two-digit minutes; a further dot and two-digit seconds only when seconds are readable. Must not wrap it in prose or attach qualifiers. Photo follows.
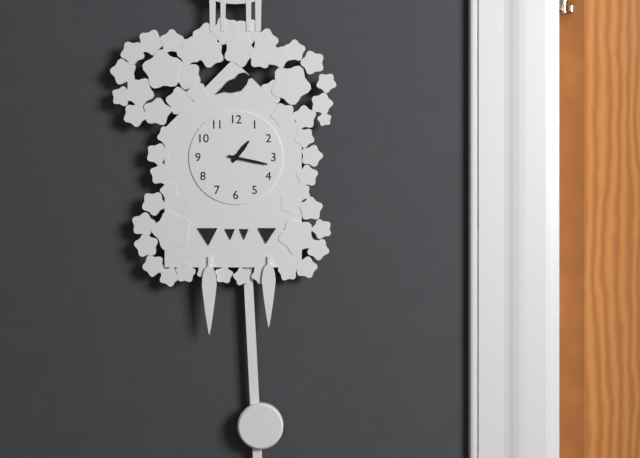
1.17
